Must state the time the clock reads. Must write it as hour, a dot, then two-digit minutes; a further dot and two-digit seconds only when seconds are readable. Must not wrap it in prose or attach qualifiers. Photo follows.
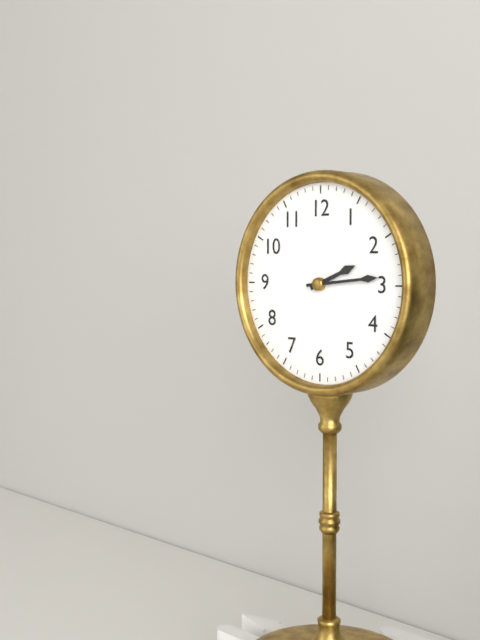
2.14
